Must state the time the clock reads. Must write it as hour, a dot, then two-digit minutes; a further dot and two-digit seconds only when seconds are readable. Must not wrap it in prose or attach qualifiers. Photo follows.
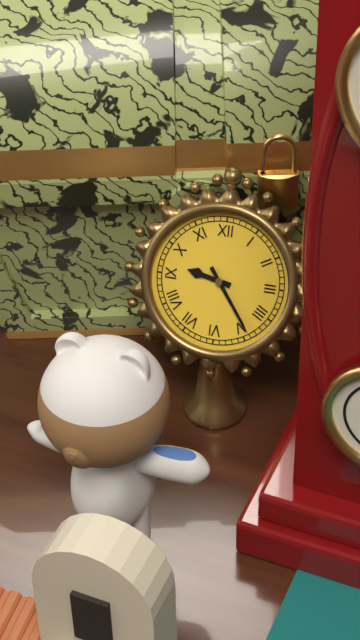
9.24
